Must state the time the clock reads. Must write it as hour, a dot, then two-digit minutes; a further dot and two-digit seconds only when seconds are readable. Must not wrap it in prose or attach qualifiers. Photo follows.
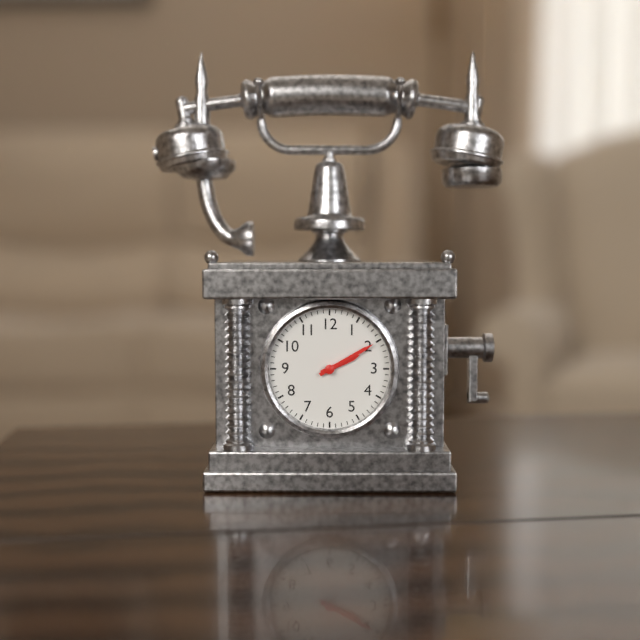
2.10
